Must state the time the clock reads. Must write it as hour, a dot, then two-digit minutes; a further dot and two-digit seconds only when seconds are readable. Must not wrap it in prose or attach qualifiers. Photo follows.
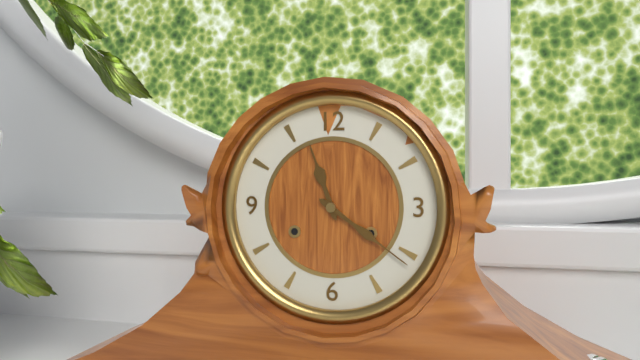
11.21
